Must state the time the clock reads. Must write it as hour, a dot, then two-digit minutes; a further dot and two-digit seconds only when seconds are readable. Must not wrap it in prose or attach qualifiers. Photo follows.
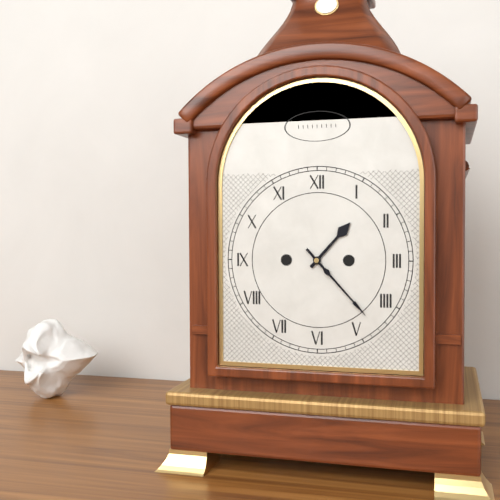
1.23
